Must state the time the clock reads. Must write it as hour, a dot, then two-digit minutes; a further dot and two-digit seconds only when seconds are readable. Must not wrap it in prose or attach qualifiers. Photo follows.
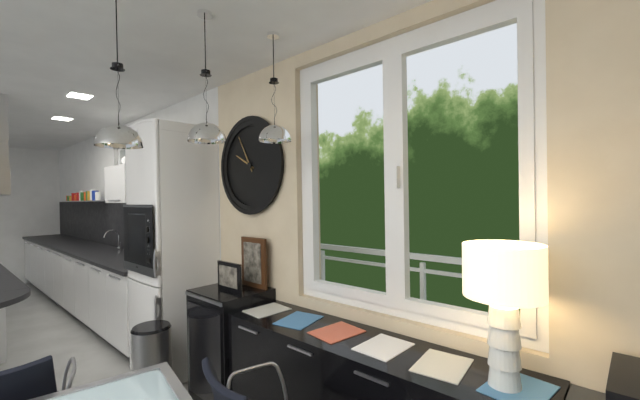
9.55
